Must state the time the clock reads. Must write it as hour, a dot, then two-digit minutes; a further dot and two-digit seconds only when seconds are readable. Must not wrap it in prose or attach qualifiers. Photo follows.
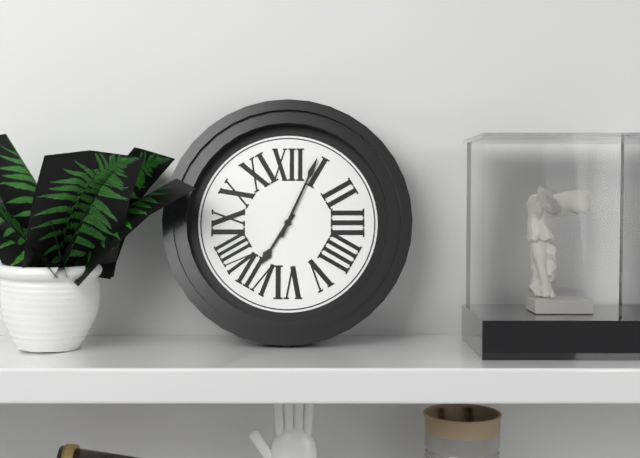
7.04
